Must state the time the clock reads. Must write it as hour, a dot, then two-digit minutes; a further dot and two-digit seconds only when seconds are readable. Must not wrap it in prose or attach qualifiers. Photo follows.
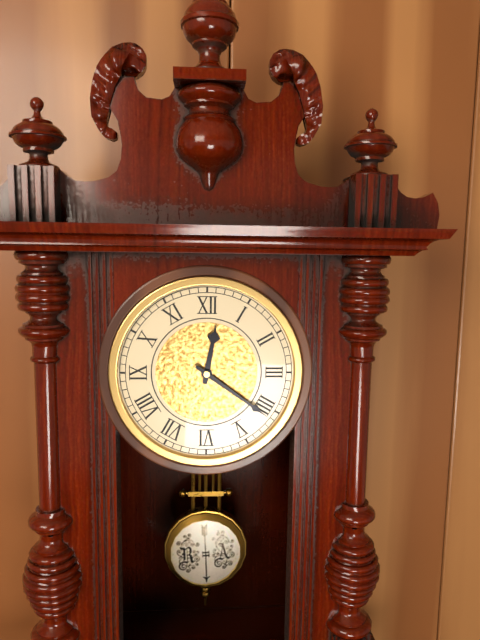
12.21
